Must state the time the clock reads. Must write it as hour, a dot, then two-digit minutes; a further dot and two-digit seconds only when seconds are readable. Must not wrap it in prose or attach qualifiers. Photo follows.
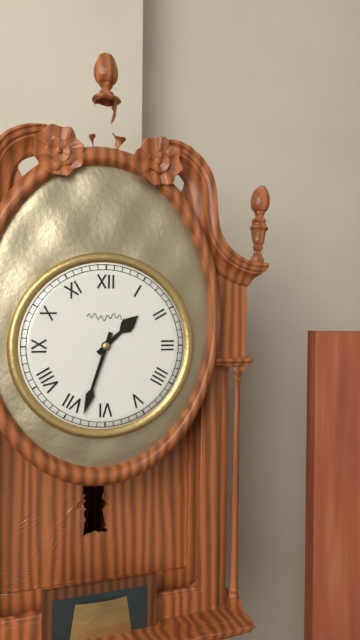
1.33
